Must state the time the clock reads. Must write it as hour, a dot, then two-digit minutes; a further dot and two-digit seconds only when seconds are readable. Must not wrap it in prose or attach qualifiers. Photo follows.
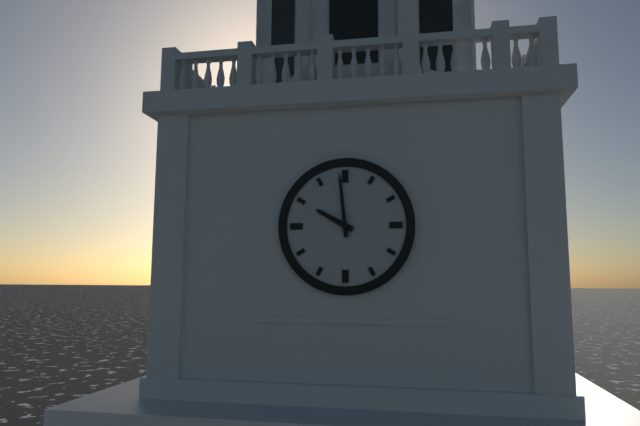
9.59
